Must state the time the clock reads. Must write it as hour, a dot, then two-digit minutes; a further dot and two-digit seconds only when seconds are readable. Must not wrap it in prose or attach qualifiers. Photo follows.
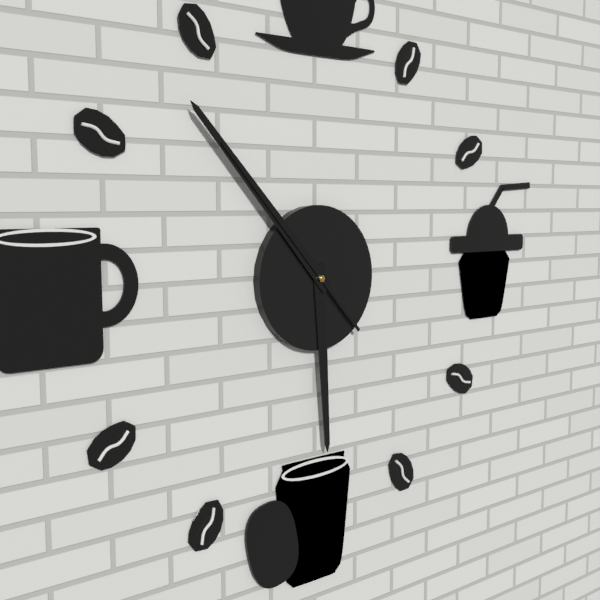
5.53.53
